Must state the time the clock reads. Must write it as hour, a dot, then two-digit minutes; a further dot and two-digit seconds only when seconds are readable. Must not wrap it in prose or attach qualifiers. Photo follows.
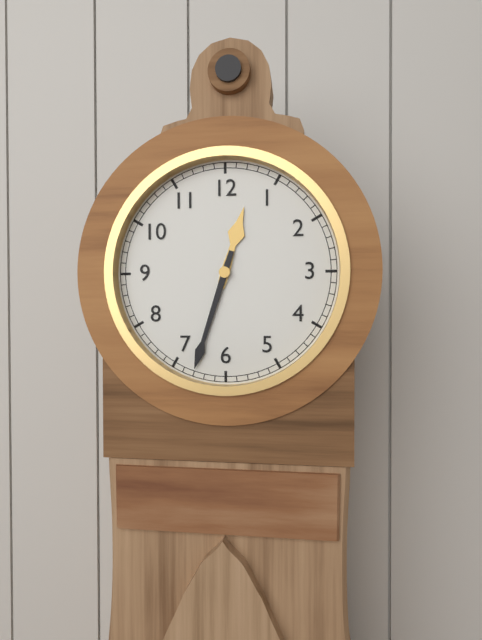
12.33
